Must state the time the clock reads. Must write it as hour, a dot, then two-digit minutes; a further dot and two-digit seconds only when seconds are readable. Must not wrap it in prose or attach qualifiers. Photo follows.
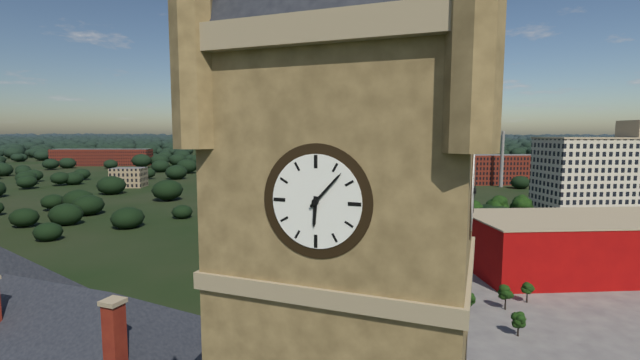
6.07
